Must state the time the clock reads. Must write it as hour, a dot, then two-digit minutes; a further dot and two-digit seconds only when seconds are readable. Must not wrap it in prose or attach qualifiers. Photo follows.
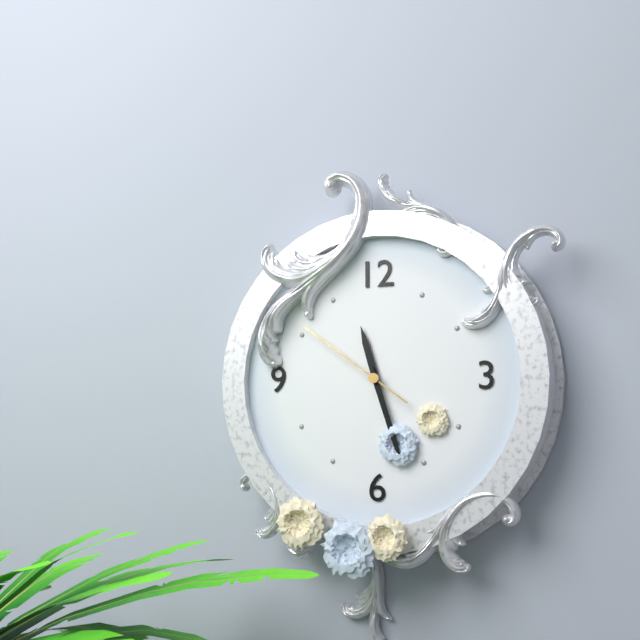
11.27.51
